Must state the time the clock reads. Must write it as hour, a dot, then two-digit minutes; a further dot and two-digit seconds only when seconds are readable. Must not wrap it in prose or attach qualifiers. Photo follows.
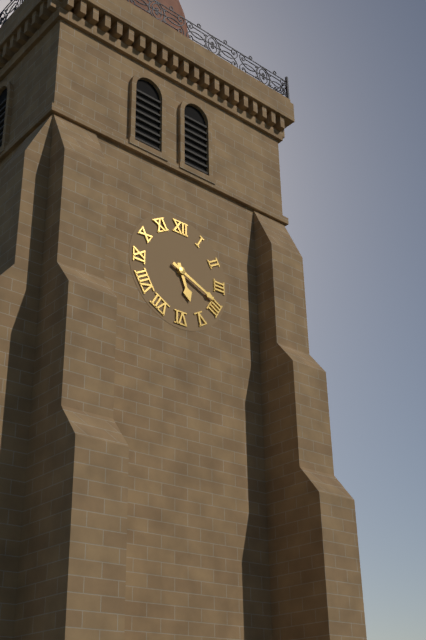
5.19
